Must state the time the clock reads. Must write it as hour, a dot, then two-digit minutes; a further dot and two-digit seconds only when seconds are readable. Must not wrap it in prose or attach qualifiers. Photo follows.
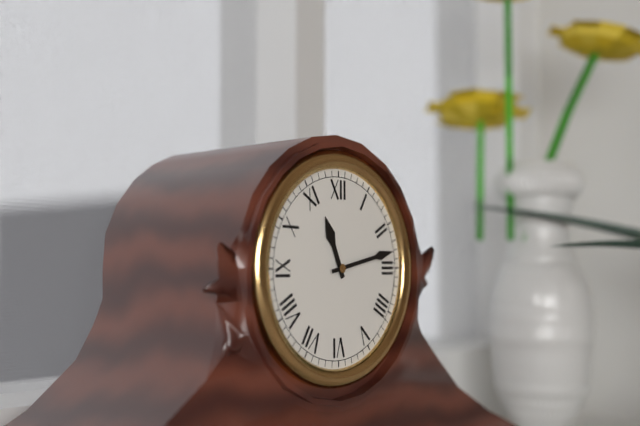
11.13
